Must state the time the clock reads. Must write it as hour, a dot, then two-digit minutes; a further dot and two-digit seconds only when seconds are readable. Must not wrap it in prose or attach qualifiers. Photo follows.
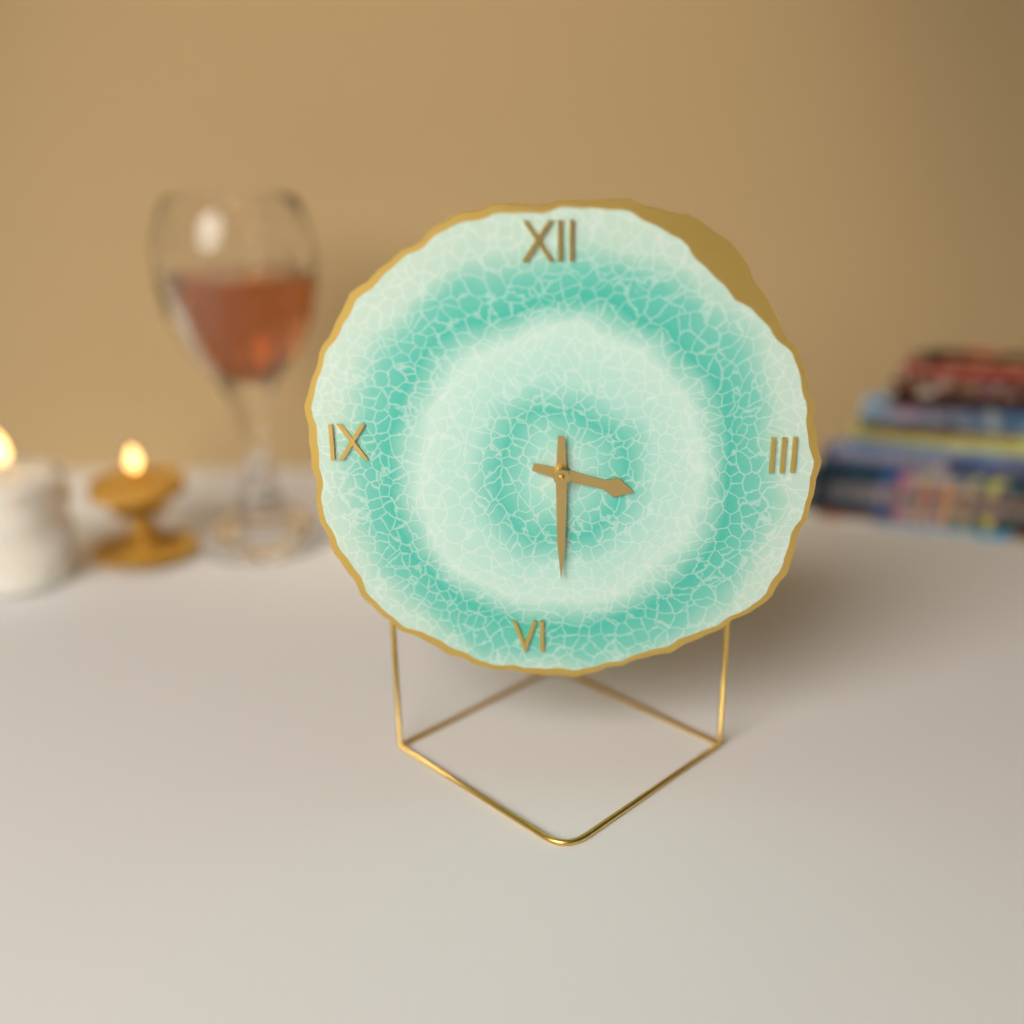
3.30
